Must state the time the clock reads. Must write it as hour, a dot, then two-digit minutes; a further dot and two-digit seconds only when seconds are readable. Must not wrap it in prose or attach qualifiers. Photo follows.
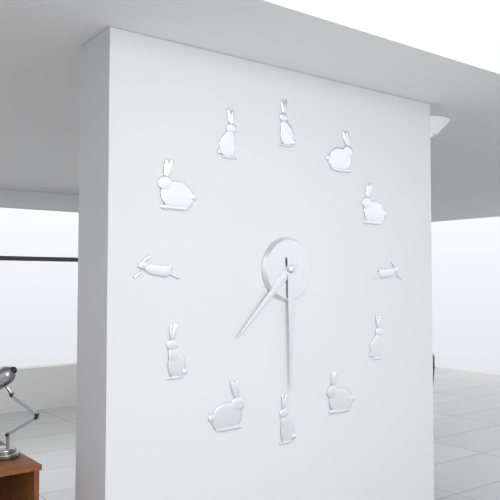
7.30
